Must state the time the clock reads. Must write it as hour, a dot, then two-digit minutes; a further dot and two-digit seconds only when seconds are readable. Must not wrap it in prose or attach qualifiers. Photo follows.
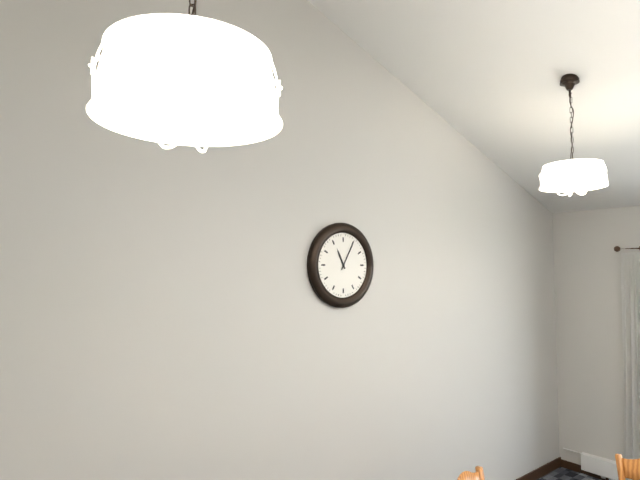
11.05
